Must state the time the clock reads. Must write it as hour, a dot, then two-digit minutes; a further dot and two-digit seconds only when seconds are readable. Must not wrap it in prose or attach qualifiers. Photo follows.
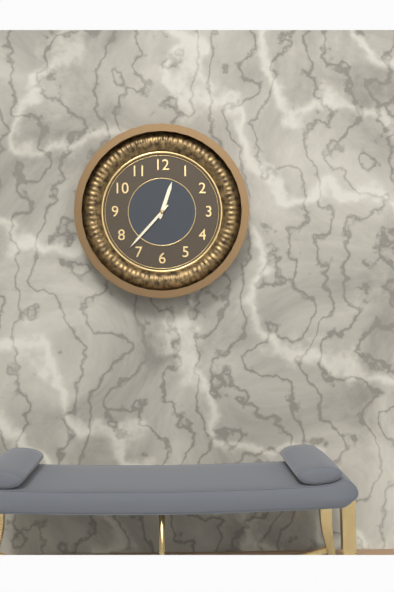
12.37
